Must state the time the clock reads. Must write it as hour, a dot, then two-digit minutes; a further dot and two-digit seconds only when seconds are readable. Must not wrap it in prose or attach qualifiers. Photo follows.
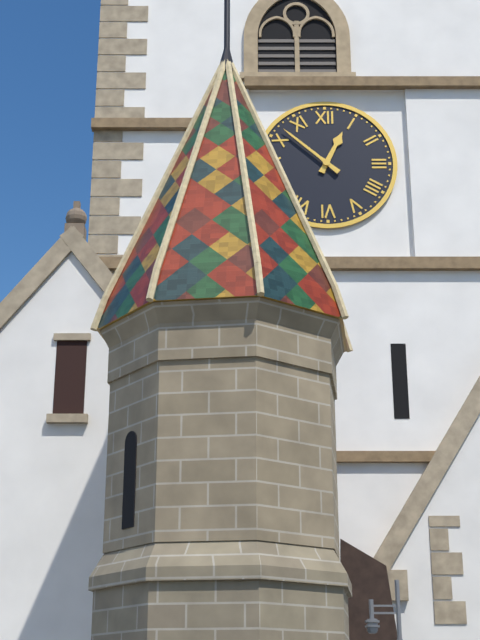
12.52
